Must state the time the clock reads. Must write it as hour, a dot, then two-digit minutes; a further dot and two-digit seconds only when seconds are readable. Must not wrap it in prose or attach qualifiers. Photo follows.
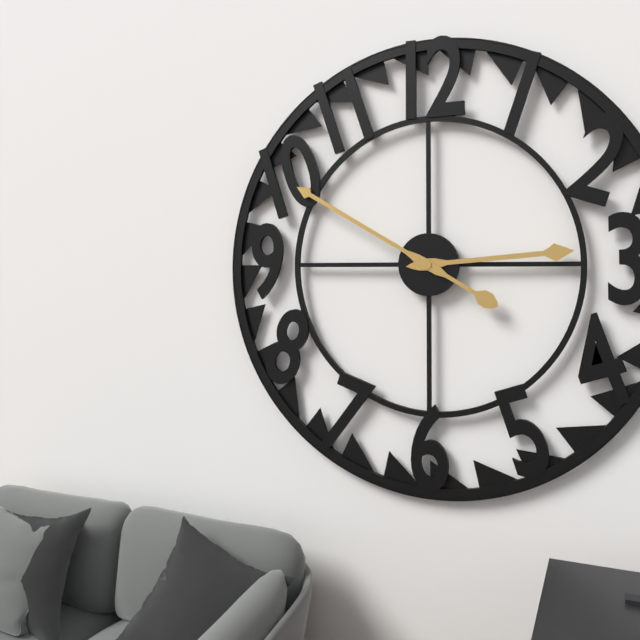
2.50
